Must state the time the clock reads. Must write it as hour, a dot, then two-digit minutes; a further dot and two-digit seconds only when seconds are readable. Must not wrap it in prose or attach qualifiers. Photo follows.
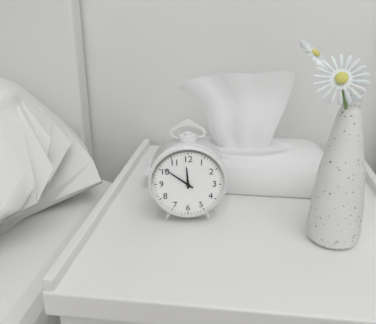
11.51
